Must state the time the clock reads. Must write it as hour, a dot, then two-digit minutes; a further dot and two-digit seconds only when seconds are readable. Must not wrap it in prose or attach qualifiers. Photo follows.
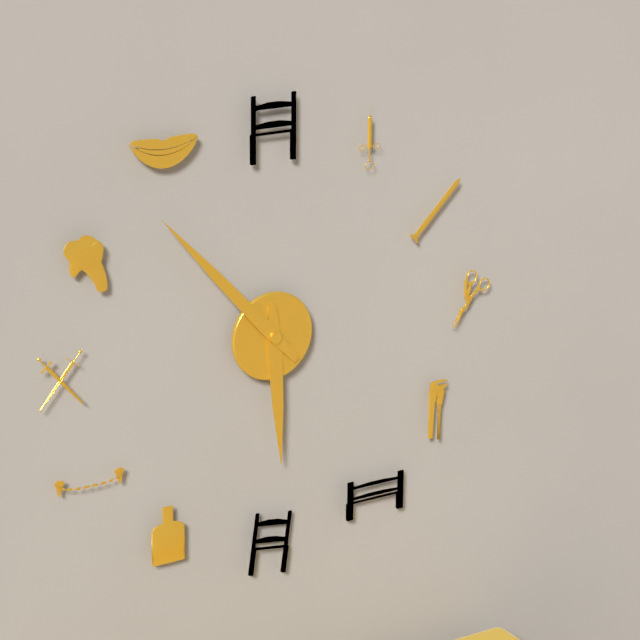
5.53
